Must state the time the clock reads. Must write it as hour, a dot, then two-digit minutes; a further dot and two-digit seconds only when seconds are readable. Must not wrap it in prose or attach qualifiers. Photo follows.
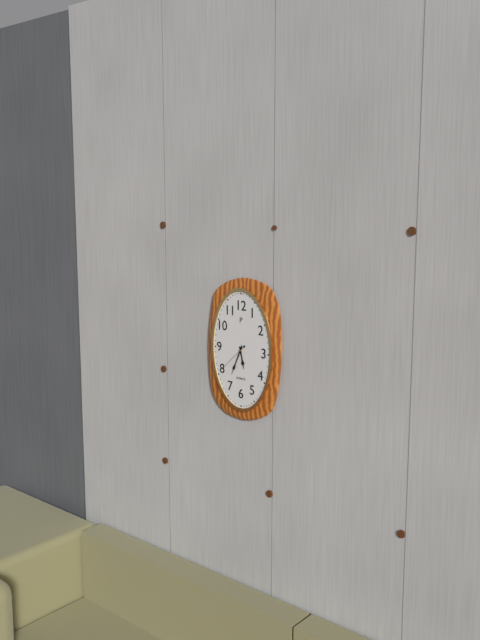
5.34
